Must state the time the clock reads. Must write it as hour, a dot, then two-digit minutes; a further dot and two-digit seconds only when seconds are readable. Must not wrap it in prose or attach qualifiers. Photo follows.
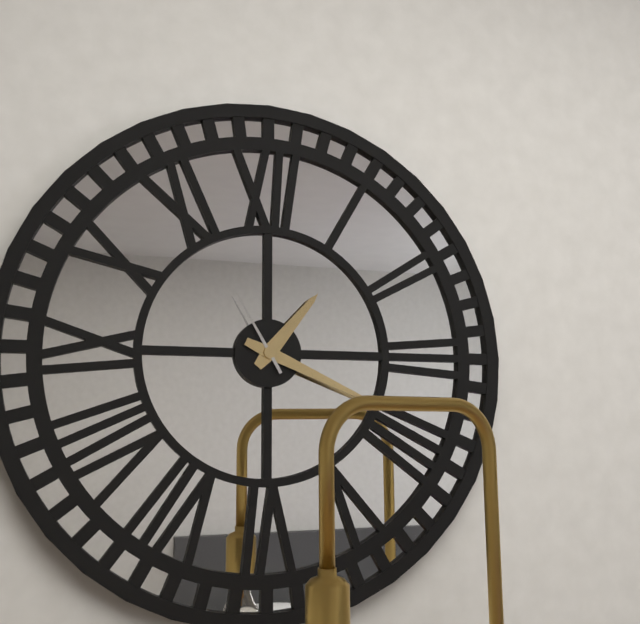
1.19.55
